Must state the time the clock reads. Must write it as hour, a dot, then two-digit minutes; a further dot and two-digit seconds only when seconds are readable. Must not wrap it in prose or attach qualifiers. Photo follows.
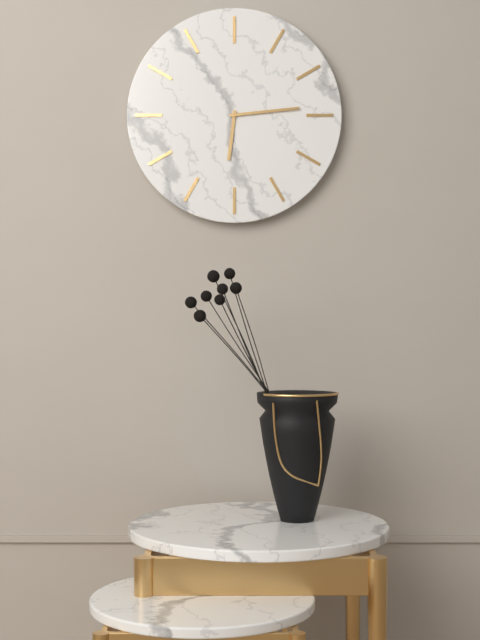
6.14
